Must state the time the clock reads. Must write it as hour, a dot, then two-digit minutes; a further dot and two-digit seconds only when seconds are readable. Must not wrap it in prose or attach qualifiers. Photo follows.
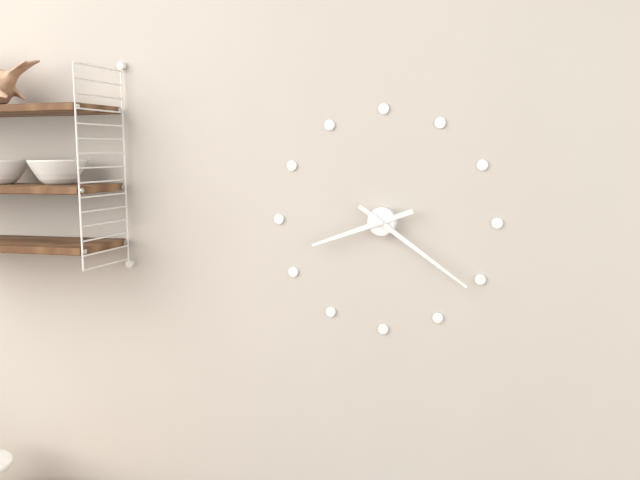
8.21
